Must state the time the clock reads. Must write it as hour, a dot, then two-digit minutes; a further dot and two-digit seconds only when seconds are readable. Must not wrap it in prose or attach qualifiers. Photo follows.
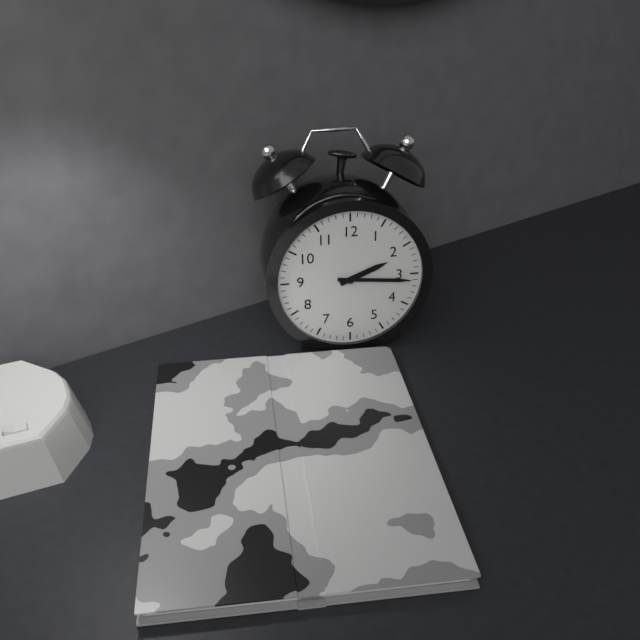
2.16
